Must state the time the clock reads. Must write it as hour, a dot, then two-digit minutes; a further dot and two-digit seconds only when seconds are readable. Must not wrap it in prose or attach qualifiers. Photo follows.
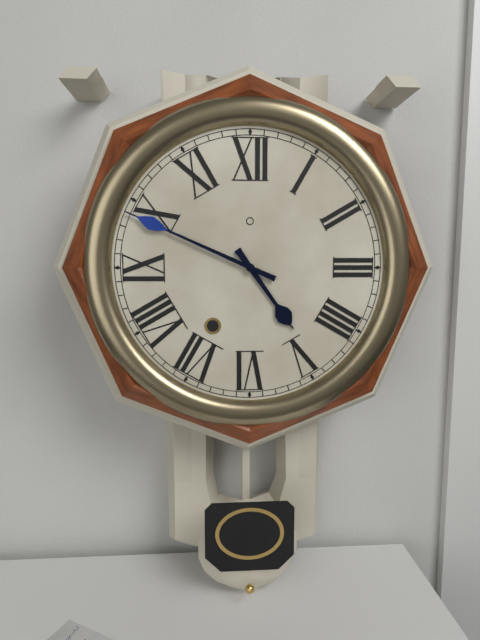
4.49
